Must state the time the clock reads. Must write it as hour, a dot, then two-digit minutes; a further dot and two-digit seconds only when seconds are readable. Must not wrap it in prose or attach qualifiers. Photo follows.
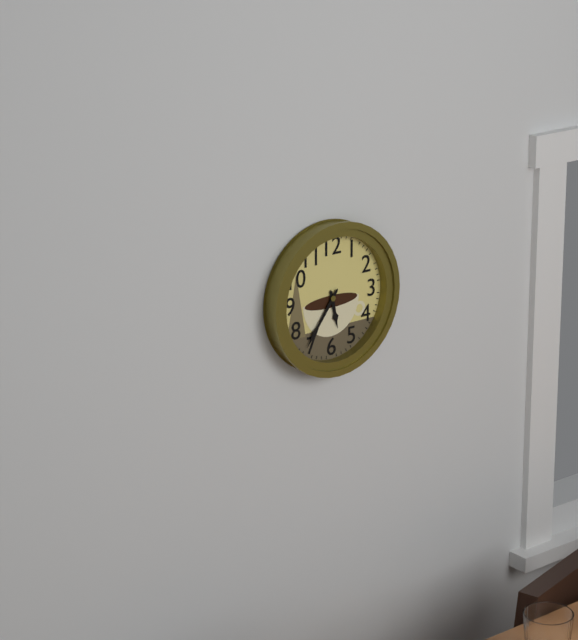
5.36
